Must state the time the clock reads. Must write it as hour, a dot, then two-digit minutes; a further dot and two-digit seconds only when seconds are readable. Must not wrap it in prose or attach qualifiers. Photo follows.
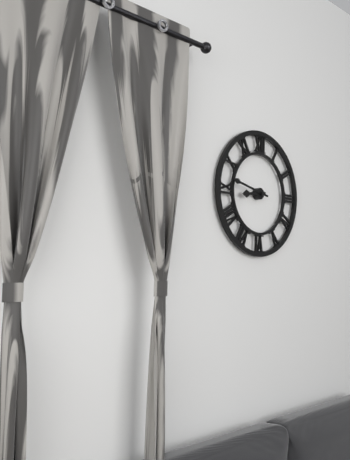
8.47
